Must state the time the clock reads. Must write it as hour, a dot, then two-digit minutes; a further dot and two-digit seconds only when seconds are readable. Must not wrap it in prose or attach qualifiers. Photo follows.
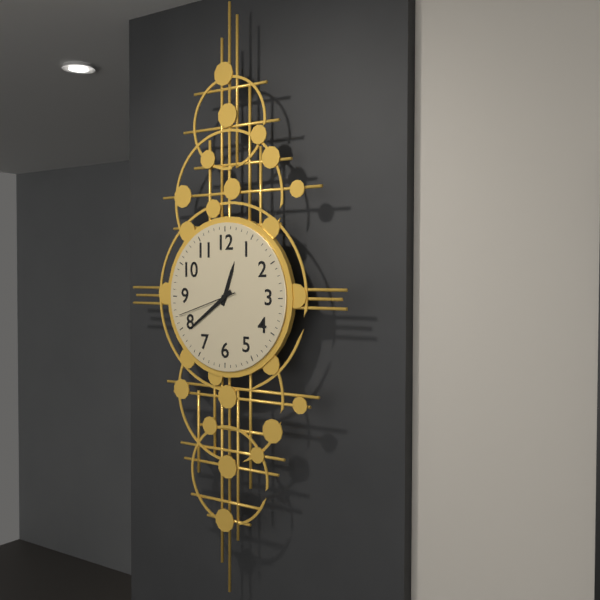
12.39.42
